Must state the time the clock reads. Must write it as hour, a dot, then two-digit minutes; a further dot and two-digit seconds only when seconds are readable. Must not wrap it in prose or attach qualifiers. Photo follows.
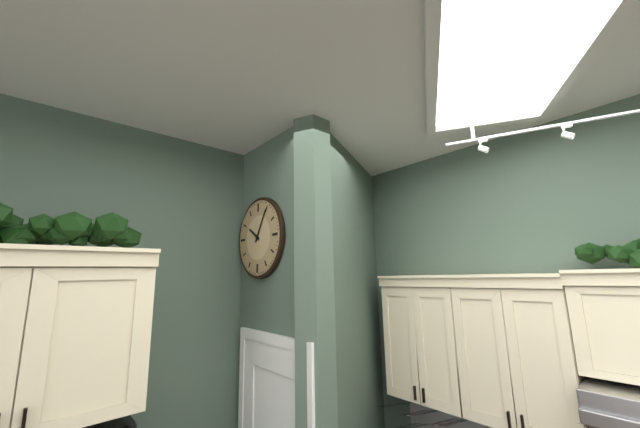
10.05
